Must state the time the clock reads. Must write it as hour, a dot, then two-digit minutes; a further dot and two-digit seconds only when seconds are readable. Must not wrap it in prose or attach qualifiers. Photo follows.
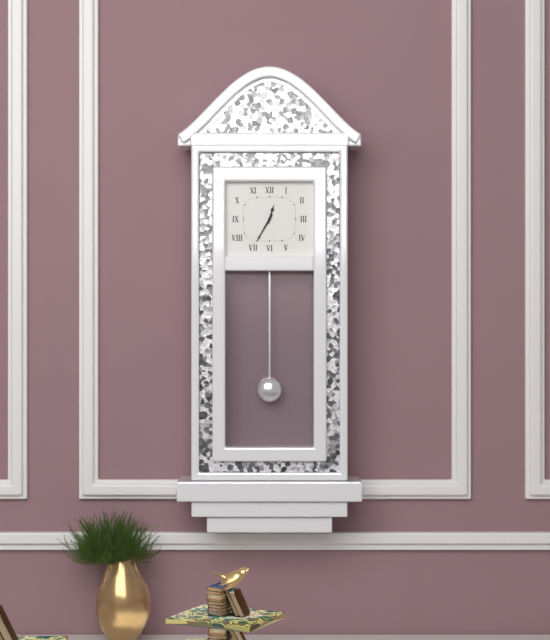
12.35
